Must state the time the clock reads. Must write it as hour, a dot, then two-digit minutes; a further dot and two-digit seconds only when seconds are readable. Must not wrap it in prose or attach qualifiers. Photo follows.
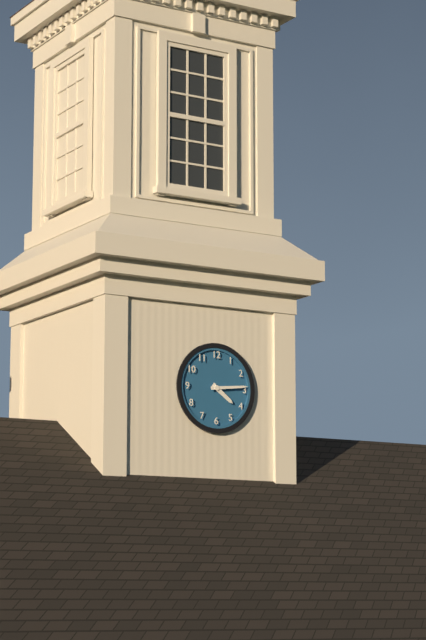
4.14
